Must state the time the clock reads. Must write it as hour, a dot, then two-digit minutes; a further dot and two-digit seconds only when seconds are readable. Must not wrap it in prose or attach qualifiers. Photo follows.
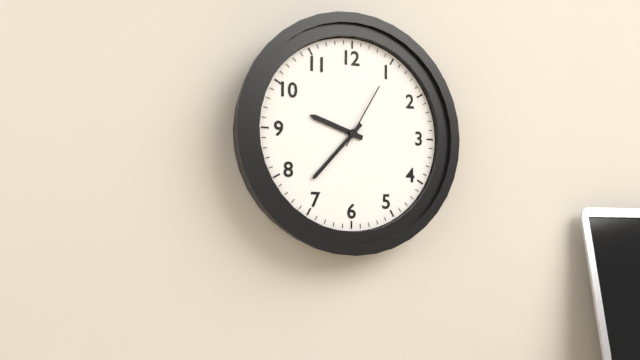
9.37.05
